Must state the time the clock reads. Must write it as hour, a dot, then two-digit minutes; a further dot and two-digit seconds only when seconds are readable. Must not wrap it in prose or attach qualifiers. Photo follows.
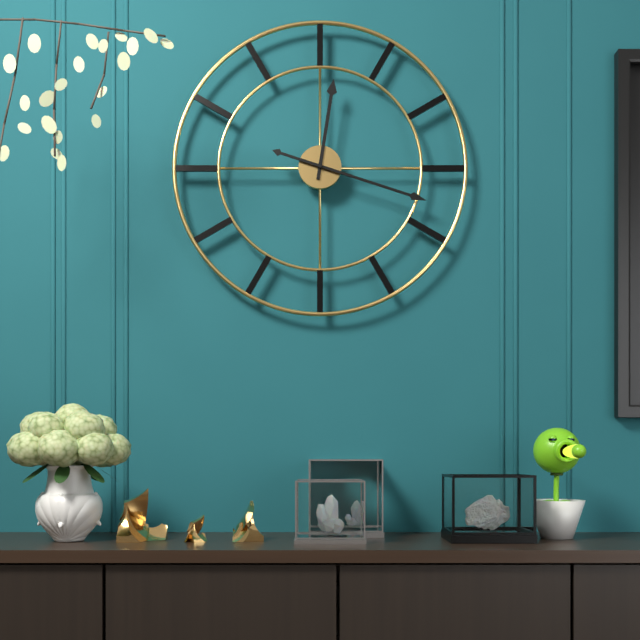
12.18
